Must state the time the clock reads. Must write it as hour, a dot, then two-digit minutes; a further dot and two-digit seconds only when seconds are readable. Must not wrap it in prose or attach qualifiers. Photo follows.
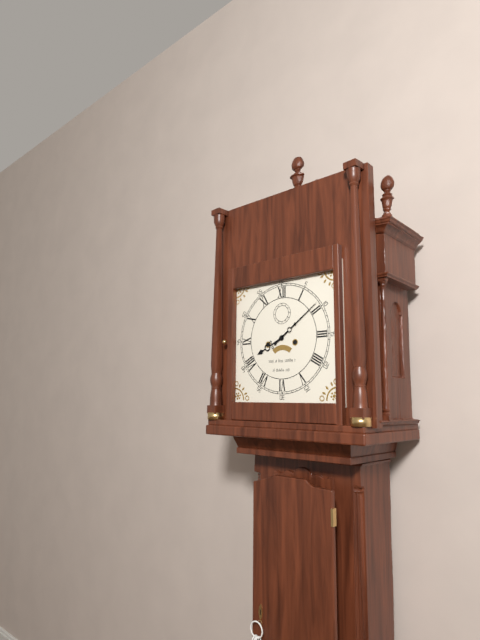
8.09
